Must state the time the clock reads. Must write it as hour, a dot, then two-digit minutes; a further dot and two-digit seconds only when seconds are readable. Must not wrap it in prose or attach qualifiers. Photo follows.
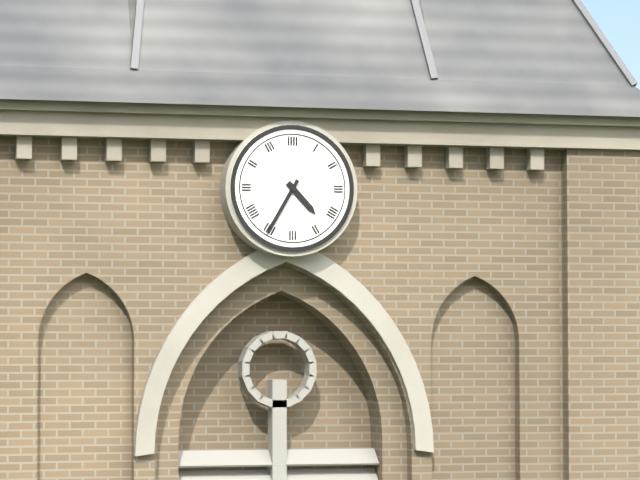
4.35
